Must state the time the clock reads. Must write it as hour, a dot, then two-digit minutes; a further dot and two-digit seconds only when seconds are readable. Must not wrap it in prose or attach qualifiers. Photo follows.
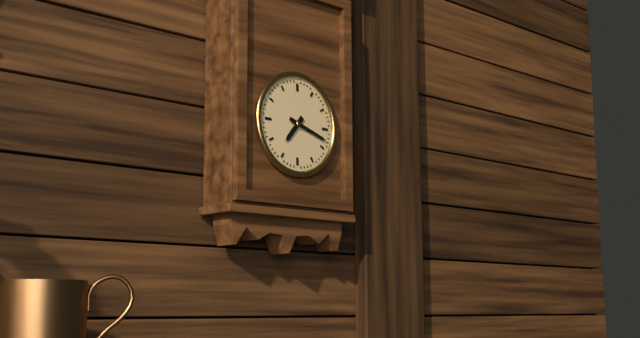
7.18
